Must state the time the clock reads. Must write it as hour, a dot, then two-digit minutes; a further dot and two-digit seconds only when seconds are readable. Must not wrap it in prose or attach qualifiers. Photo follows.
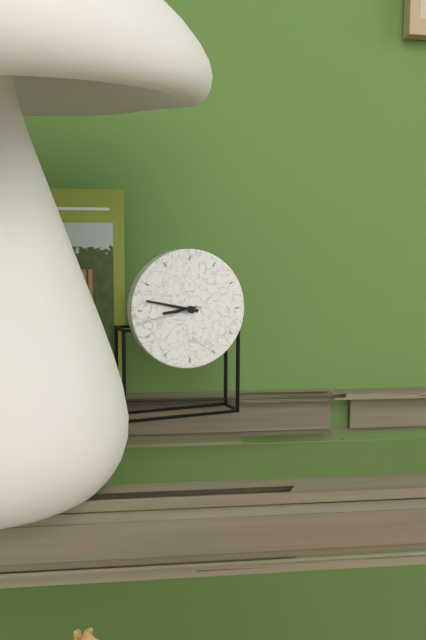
8.47.43
